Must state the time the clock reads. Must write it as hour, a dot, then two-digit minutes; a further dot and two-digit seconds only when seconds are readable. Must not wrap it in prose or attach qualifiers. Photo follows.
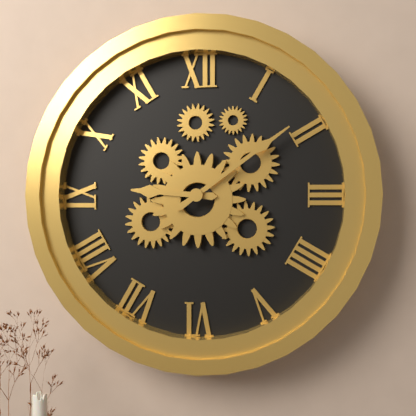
9.09
